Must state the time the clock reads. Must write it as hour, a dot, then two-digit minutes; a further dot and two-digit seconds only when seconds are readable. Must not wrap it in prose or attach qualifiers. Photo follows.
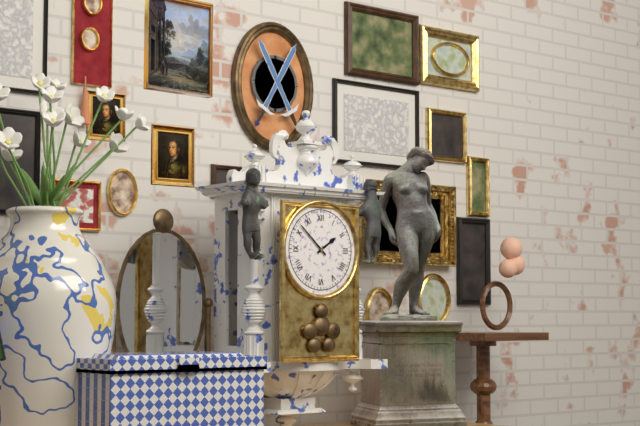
1.52
